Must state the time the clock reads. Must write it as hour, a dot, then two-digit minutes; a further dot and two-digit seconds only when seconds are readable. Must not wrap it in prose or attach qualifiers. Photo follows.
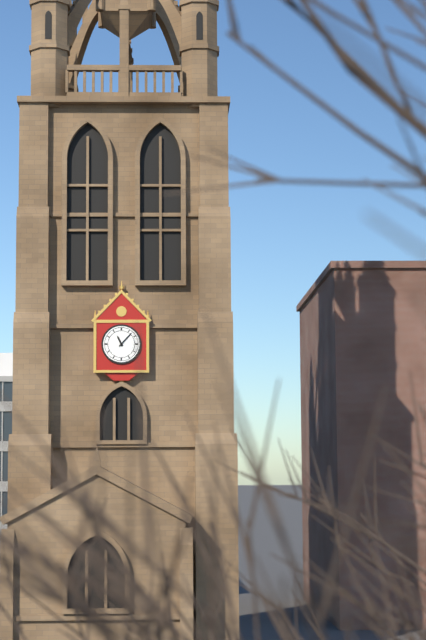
11.07
